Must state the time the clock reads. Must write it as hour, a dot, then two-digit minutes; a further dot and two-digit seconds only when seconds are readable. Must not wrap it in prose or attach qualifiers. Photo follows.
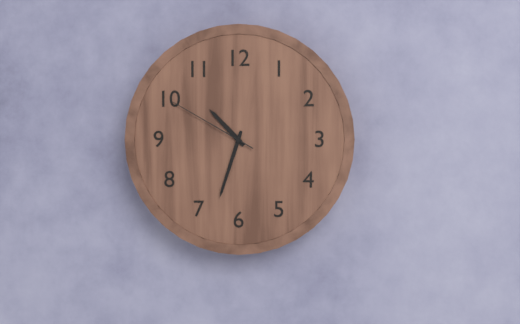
10.33.50
